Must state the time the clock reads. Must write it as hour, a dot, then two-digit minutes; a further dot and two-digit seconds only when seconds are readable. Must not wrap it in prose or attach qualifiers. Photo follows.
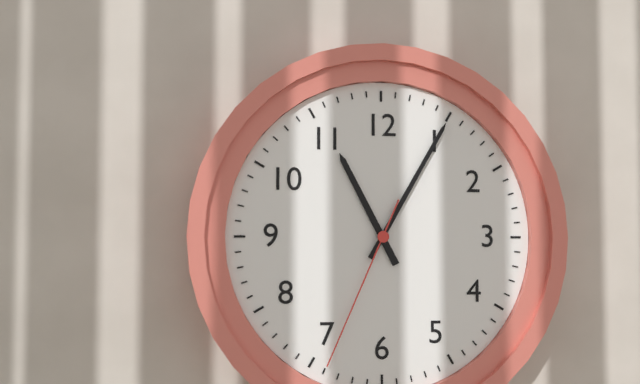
11.05.34
